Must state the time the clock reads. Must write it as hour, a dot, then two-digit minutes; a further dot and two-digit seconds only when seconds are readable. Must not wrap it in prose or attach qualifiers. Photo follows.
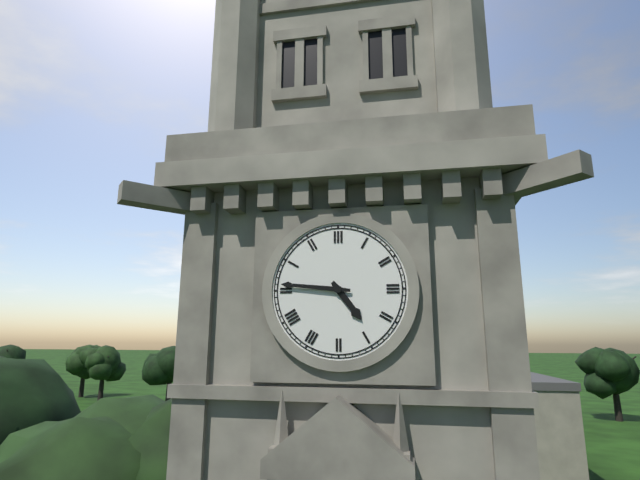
4.46
